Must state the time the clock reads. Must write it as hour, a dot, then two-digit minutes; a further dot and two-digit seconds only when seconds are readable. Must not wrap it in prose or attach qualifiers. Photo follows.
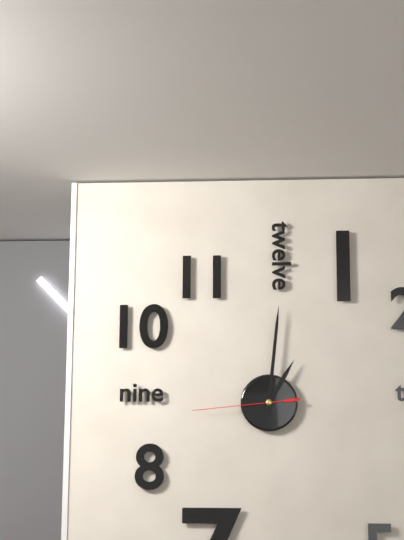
1.01.44
